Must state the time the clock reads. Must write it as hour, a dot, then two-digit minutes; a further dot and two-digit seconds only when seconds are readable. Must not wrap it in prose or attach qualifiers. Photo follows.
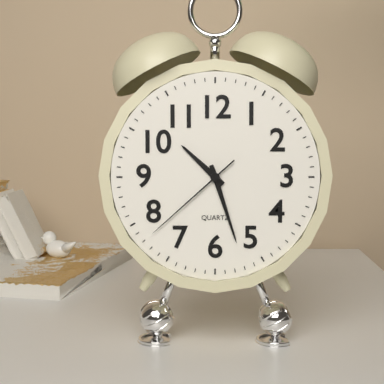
10.27.38
